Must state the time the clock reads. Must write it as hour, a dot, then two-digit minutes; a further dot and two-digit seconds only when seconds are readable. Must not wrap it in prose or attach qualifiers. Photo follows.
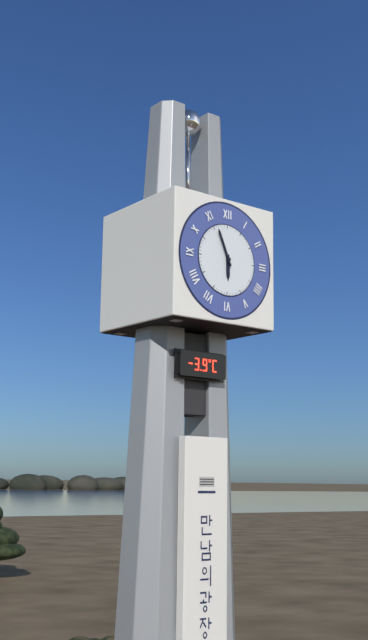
5.56
